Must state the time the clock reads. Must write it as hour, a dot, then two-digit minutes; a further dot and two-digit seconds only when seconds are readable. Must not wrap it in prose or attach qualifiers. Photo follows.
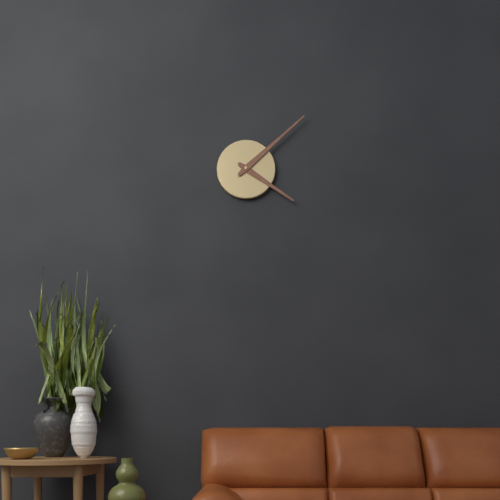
4.08
